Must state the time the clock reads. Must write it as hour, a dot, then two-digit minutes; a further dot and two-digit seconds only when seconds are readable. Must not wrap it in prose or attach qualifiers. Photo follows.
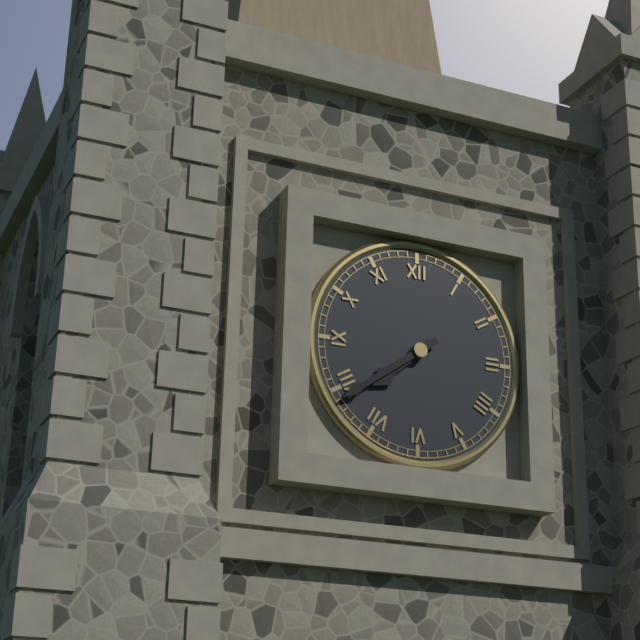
7.39
